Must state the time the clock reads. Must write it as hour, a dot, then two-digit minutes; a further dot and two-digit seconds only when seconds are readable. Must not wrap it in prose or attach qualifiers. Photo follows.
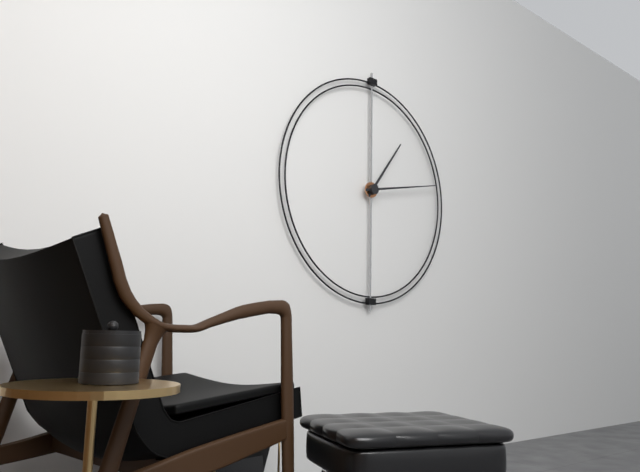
1.13
